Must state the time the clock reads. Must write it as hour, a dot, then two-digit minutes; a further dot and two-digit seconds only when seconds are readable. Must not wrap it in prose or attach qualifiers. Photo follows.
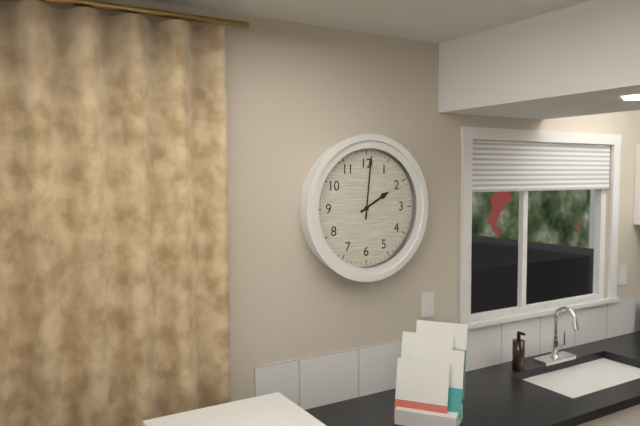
2.01
